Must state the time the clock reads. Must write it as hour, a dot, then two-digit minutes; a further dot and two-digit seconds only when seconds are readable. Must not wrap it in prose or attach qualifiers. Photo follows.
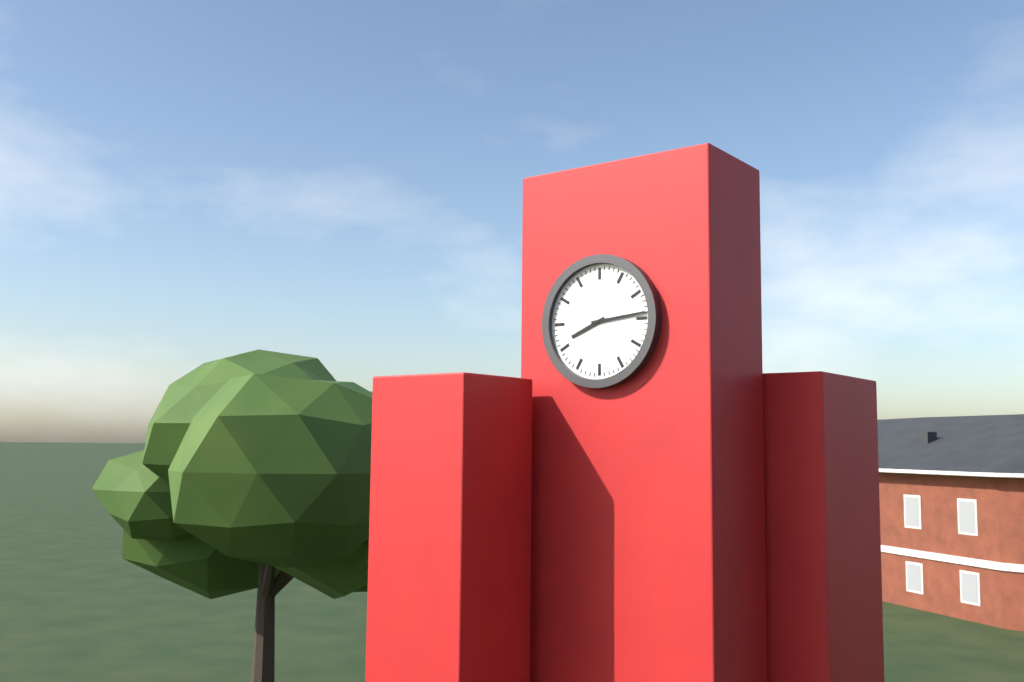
8.14
